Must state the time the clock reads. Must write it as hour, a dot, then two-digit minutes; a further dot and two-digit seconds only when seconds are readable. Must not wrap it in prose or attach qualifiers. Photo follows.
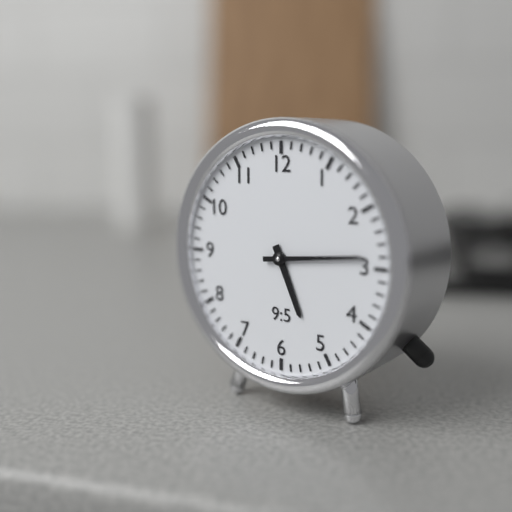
5.14
